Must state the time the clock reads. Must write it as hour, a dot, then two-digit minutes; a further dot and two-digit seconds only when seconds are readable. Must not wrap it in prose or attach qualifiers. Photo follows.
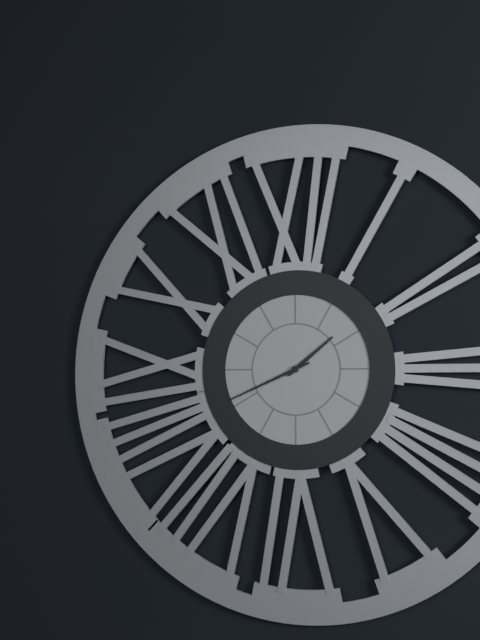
1.41
